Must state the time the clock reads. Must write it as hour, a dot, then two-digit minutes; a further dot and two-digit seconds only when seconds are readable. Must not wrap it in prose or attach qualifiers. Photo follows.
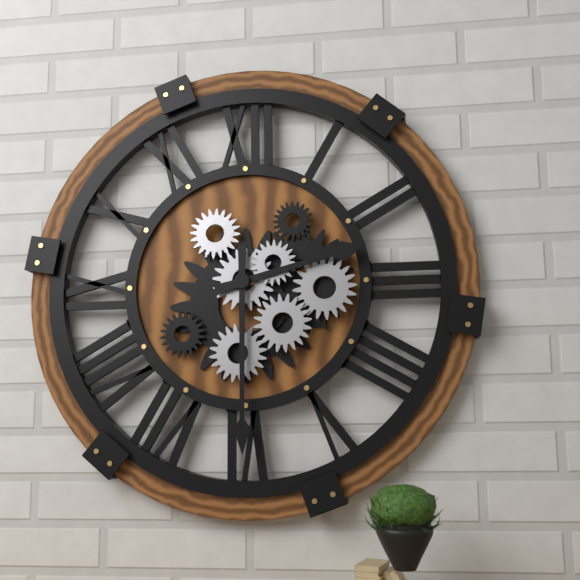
2.30
